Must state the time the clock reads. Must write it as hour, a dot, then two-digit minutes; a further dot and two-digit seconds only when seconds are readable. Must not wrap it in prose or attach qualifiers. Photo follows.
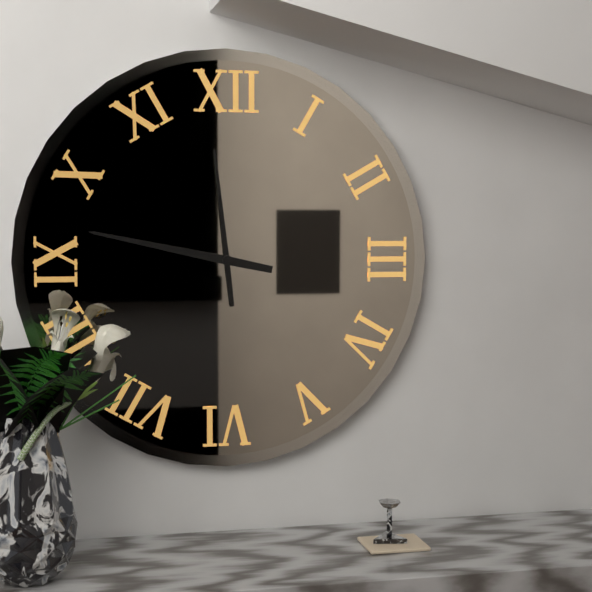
11.47
